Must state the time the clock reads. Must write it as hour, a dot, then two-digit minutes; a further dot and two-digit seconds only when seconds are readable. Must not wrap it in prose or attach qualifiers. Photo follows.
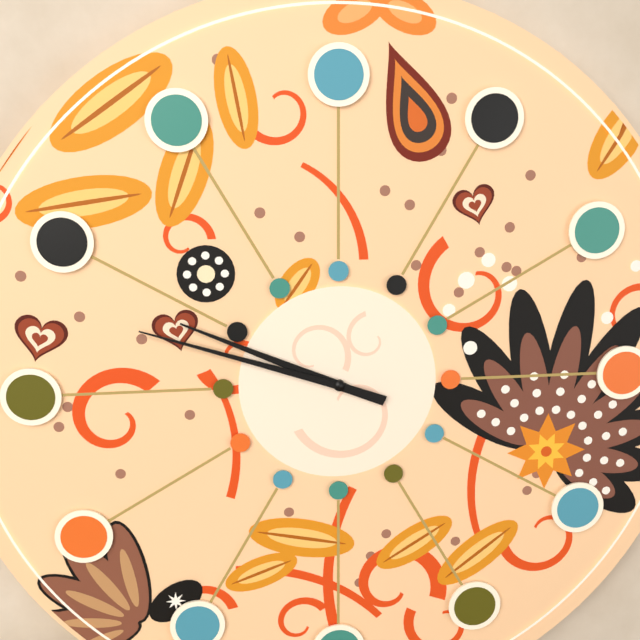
9.48
